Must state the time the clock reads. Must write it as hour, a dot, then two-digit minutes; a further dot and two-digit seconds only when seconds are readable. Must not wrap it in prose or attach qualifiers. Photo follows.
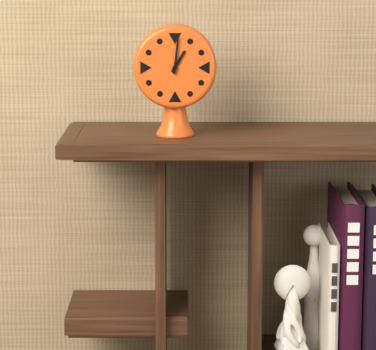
1.01
